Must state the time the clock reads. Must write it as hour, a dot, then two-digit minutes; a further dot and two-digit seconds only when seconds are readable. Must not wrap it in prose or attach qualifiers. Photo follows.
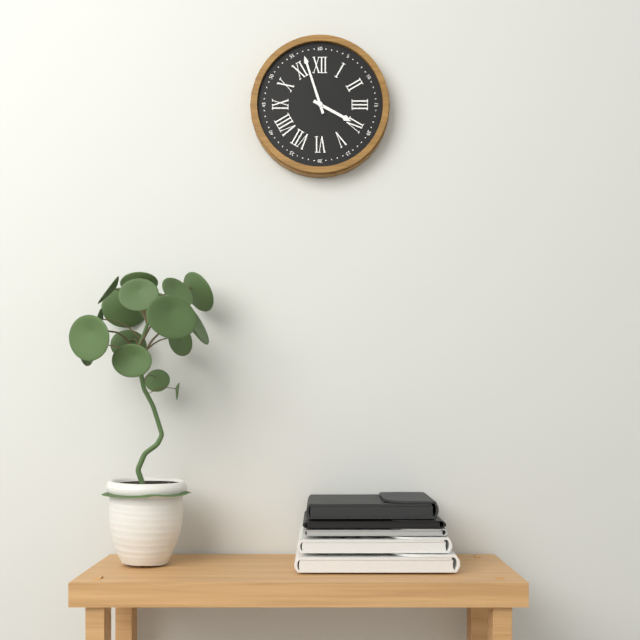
3.57
